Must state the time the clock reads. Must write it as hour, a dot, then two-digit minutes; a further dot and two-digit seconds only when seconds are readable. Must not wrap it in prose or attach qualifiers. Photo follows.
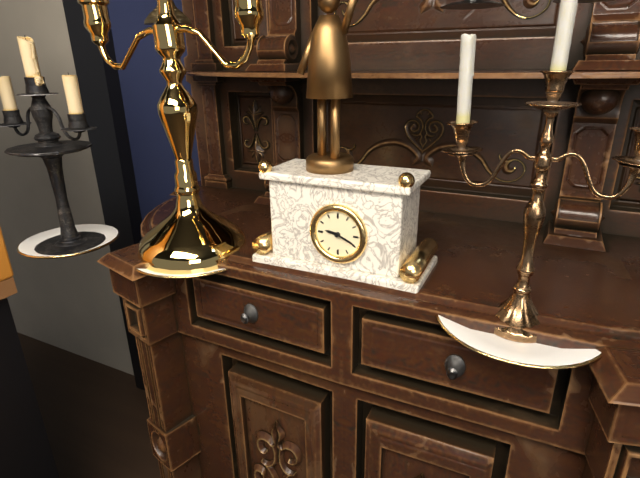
9.19
